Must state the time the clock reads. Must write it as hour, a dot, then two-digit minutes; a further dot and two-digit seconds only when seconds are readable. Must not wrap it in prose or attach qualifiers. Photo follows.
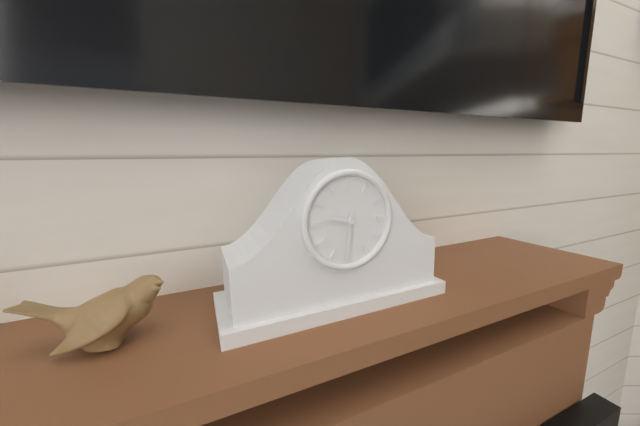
9.31
